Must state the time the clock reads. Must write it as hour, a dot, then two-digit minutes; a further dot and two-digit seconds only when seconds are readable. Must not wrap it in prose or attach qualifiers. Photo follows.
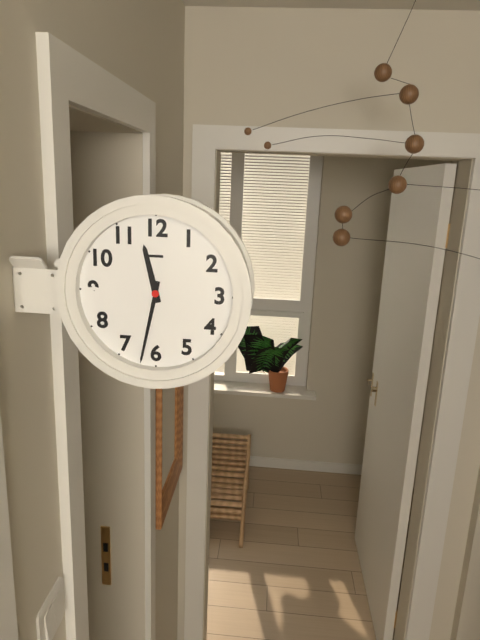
11.32
